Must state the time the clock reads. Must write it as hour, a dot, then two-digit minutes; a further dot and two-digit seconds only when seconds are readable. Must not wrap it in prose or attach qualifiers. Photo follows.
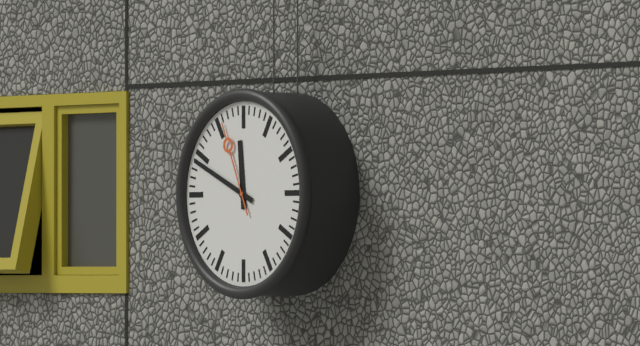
11.49.56
